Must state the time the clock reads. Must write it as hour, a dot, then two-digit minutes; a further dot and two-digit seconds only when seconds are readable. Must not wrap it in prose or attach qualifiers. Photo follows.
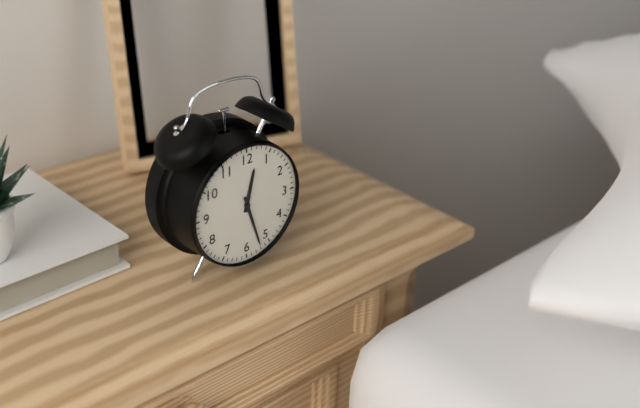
12.27
